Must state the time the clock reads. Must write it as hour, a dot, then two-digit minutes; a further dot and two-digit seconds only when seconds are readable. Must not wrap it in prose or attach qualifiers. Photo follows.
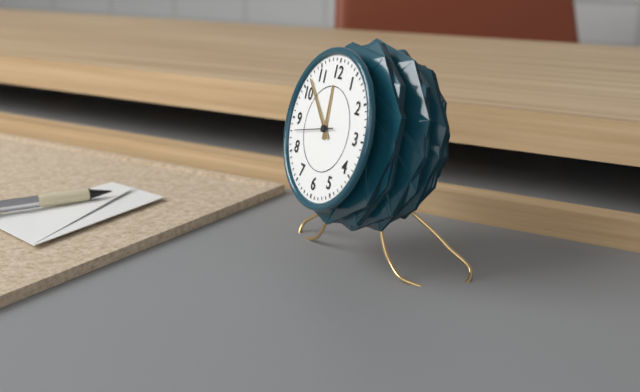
11.52.43
